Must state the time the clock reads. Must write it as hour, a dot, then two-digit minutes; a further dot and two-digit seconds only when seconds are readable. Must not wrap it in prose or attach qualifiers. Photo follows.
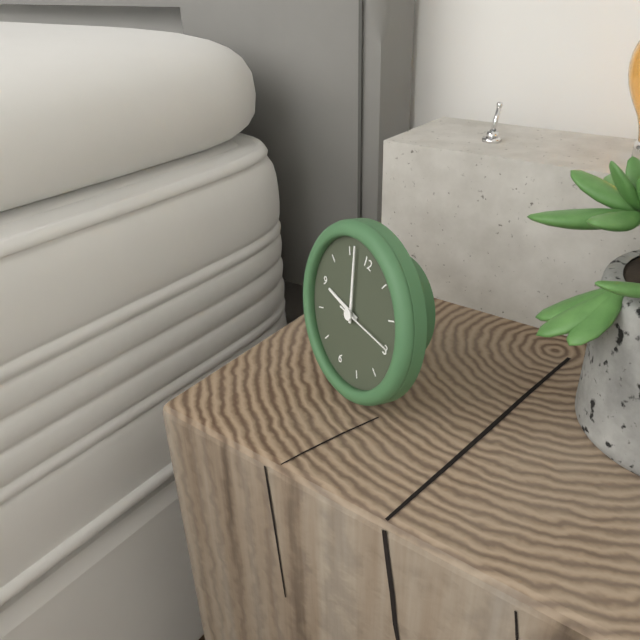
8.57.14
